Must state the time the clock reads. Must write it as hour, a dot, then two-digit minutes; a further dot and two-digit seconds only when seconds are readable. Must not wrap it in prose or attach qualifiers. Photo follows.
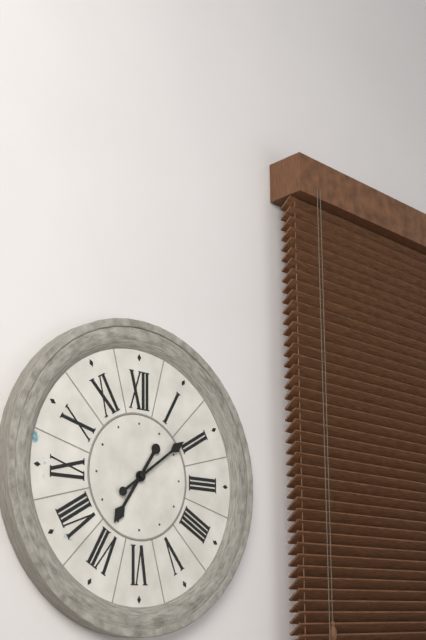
7.09
